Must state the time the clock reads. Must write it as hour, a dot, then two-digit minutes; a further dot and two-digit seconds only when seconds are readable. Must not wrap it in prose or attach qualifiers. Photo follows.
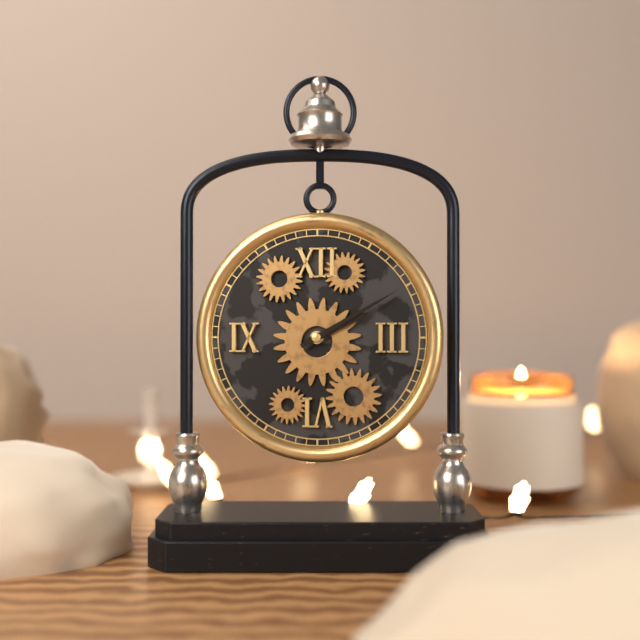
2.10
